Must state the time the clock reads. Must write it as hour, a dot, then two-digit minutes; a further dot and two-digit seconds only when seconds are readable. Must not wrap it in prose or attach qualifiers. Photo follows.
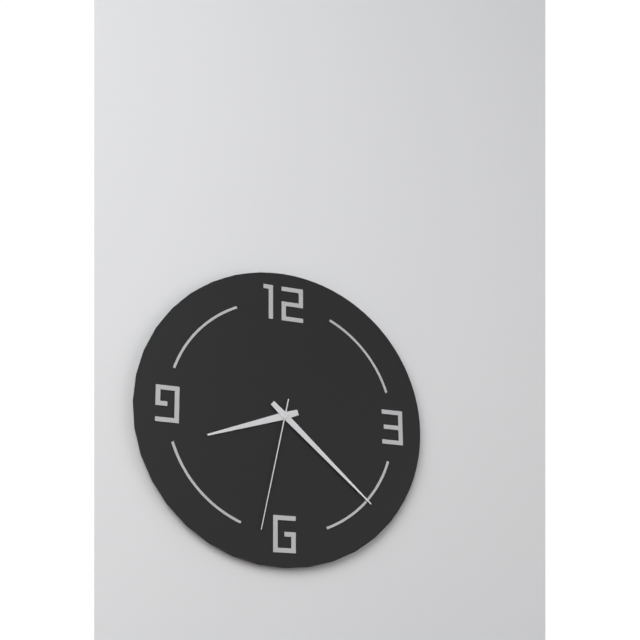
8.22.32
